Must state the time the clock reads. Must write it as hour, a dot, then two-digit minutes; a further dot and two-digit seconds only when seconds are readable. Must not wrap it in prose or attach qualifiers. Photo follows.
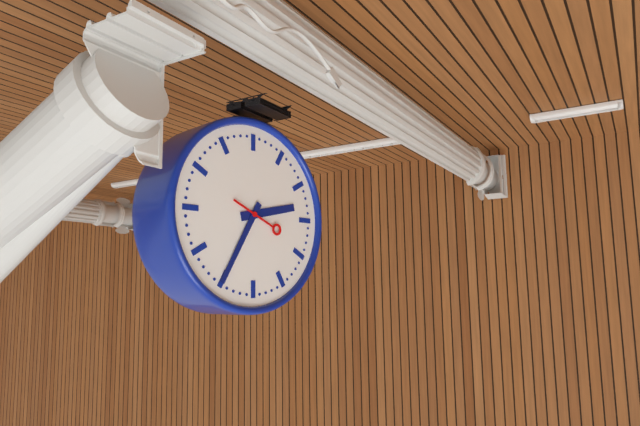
2.35
